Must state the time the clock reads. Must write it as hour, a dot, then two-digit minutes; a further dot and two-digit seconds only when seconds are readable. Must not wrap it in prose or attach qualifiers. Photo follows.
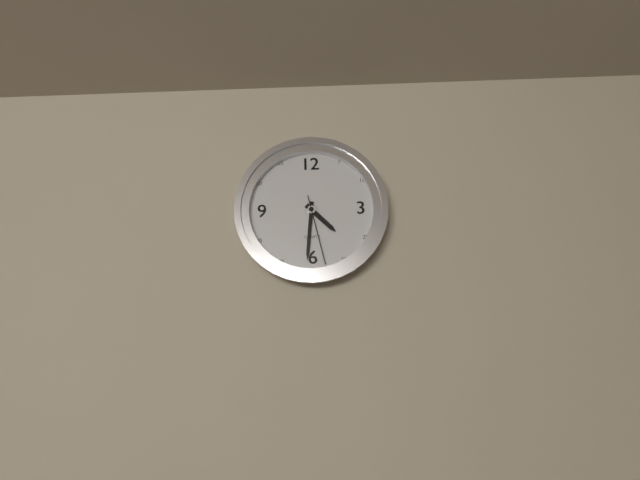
4.31.28
